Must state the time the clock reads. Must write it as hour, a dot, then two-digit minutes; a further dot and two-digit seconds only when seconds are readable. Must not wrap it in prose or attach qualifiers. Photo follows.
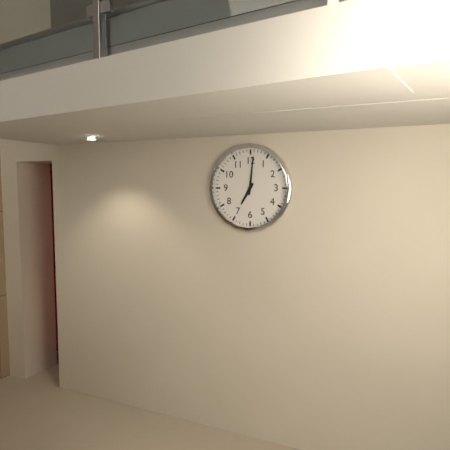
7.01
